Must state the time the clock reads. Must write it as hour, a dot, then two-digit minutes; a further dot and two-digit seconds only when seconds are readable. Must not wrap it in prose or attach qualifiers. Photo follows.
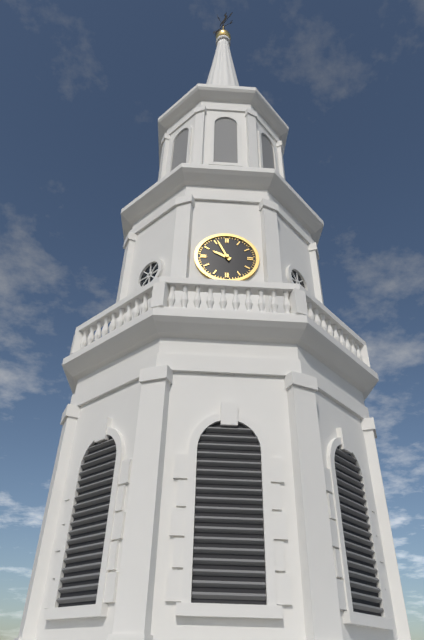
9.56
